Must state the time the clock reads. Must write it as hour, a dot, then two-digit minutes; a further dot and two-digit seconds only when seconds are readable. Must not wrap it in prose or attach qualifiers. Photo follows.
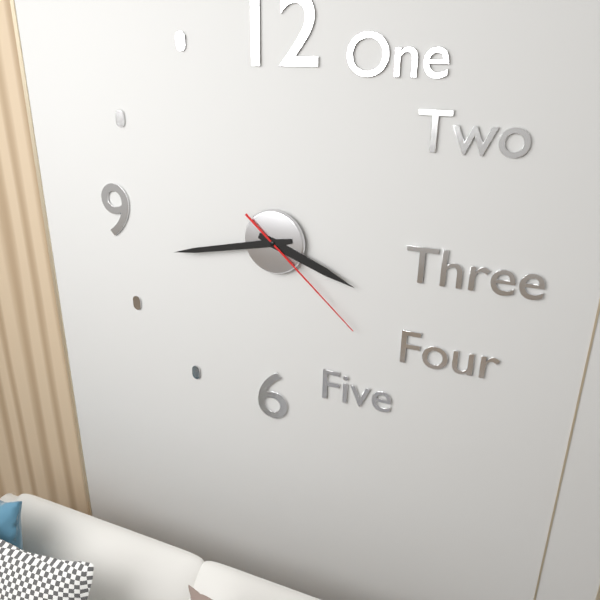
3.43.22
